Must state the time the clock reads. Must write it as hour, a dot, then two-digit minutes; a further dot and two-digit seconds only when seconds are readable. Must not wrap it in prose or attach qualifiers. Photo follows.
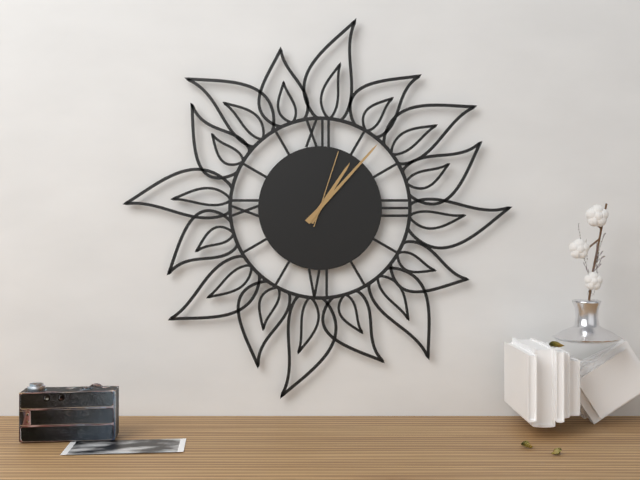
1.07.03
